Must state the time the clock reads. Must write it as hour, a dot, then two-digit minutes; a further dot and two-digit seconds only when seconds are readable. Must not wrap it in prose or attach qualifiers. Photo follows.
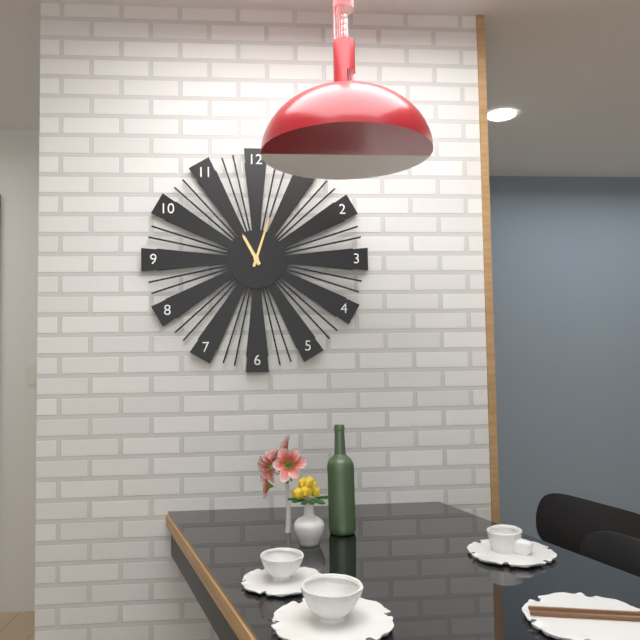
11.03
